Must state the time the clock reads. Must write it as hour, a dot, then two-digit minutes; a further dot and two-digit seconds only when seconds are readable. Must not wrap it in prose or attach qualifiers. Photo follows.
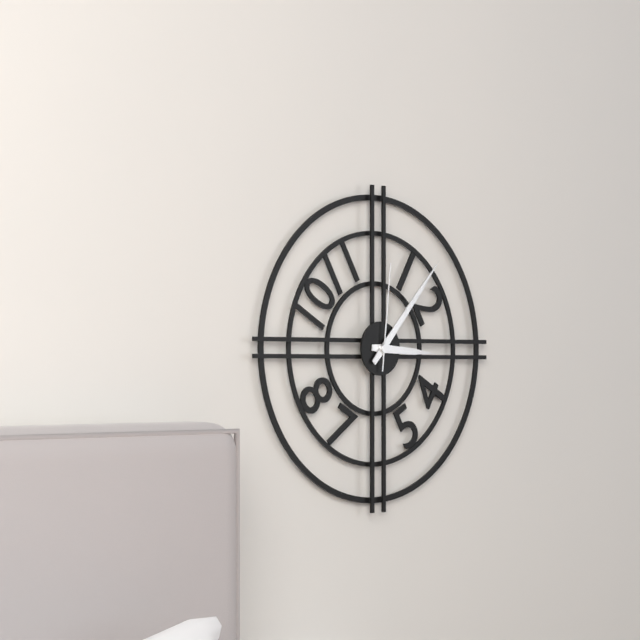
3.07.01
